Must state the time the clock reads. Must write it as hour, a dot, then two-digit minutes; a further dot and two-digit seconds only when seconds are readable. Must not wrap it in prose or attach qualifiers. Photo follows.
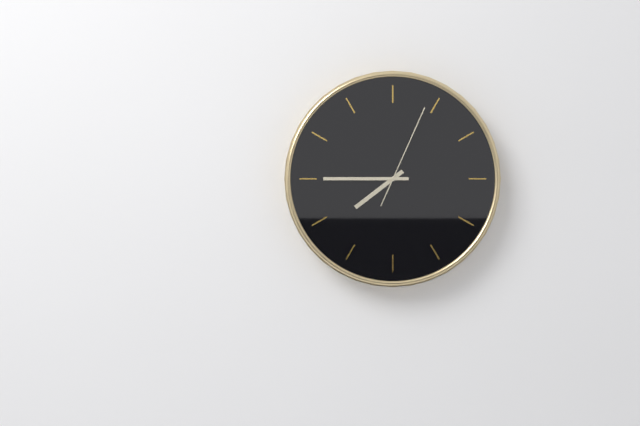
7.45.04
